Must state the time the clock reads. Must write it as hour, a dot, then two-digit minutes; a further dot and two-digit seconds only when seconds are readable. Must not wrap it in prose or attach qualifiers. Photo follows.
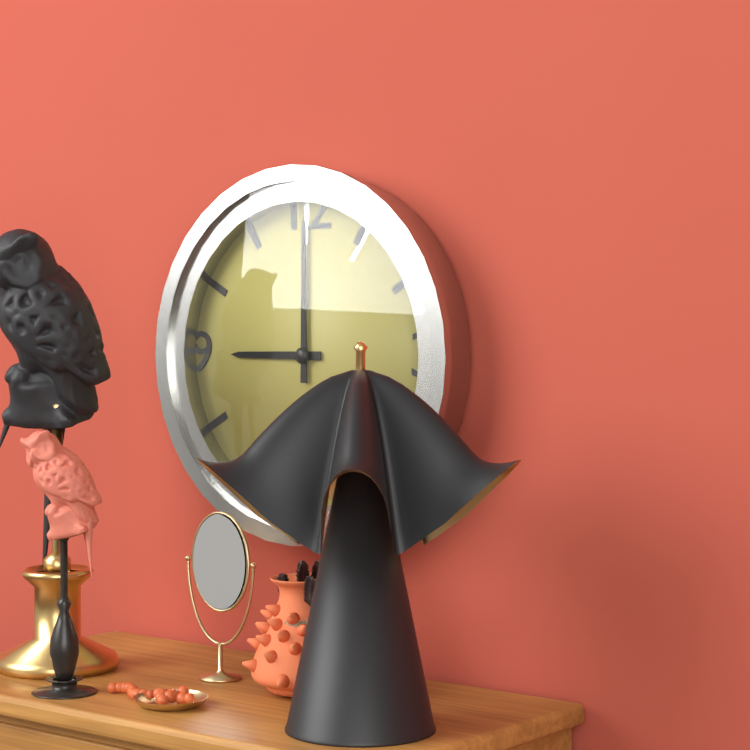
9.00
